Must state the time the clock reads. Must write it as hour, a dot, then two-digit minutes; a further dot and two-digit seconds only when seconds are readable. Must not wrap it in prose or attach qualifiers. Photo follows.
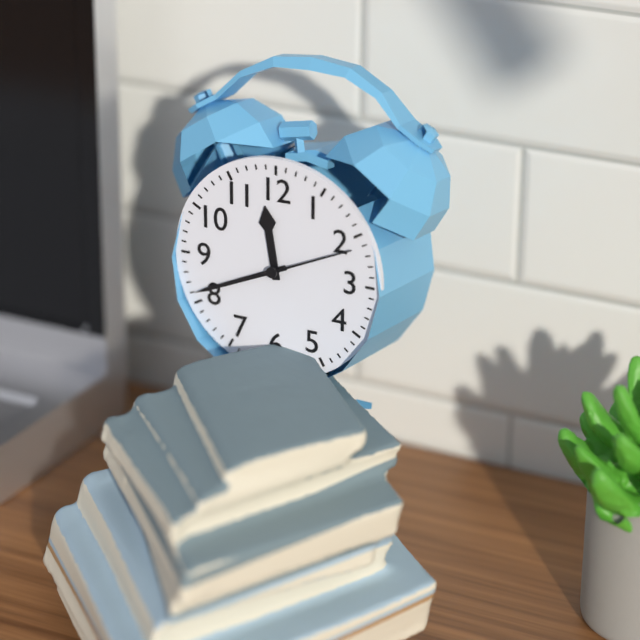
11.41.11
